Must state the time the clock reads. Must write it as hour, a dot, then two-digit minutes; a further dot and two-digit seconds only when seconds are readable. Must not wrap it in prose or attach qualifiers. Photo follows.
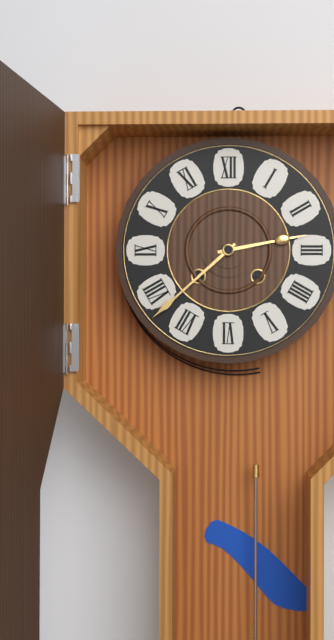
2.38
